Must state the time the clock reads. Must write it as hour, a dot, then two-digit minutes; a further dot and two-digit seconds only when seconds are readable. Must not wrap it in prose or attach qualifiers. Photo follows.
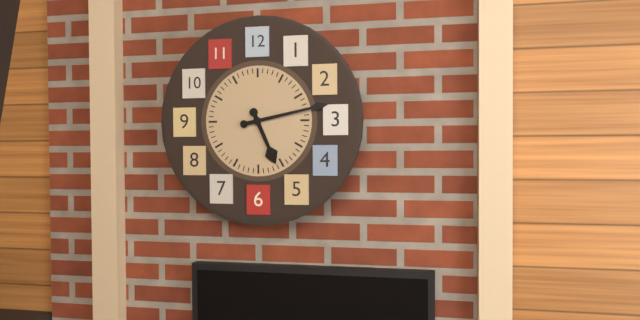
5.13
